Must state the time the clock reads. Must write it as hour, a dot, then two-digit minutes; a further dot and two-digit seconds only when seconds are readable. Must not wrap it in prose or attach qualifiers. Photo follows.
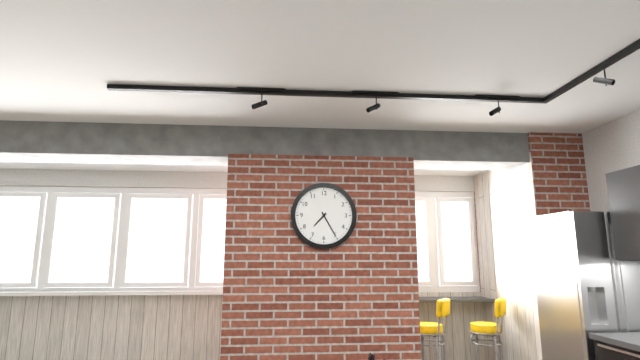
7.25
